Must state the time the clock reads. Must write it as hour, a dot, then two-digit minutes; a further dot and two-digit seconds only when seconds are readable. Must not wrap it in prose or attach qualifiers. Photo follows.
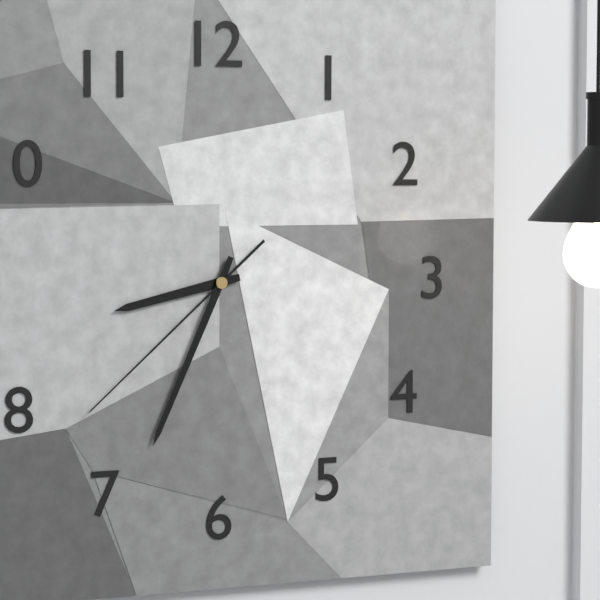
8.34.38
